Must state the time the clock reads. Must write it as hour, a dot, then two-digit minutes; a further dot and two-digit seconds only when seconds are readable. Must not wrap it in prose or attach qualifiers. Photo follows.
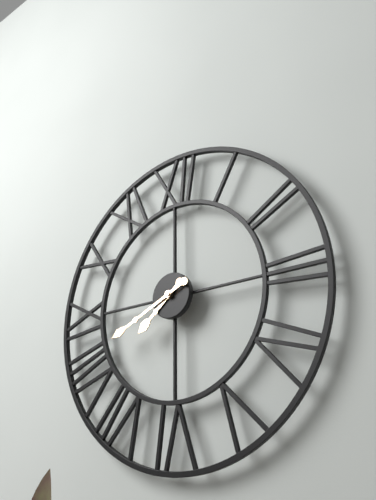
7.41
